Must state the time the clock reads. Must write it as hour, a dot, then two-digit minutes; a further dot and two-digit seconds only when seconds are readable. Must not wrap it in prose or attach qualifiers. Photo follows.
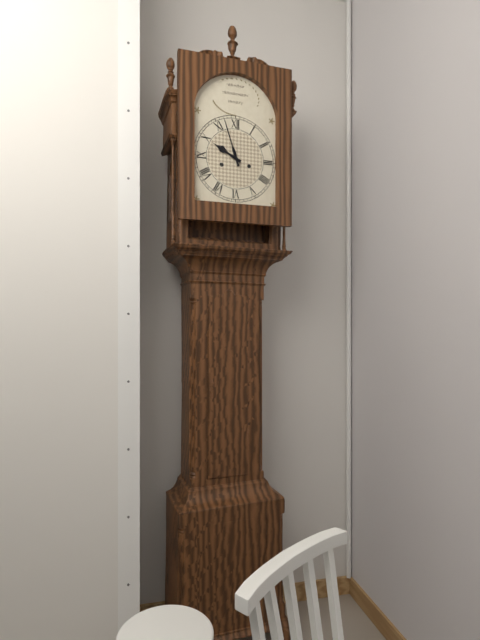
9.57
